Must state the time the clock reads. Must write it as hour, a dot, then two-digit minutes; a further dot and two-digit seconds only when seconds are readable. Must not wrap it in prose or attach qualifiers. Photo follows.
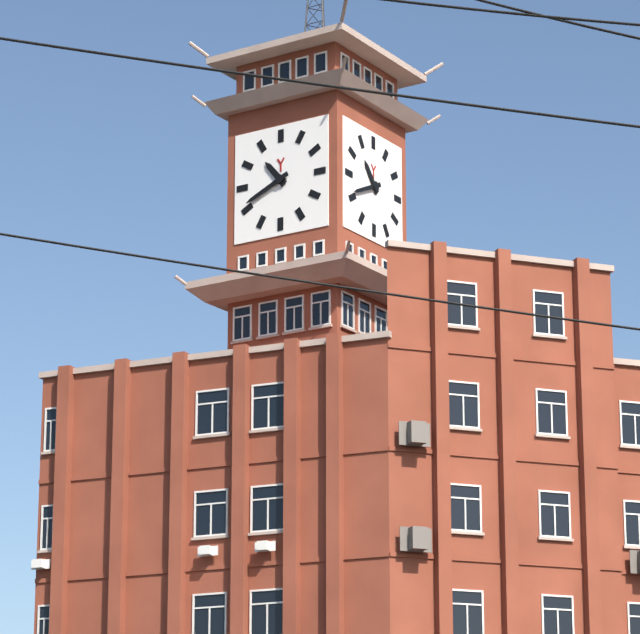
10.41
